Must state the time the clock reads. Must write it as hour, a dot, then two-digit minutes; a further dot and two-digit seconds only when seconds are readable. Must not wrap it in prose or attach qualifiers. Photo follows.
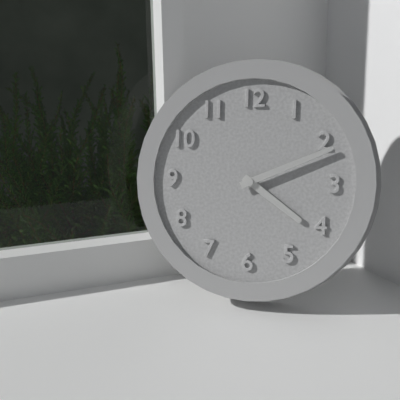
4.11
